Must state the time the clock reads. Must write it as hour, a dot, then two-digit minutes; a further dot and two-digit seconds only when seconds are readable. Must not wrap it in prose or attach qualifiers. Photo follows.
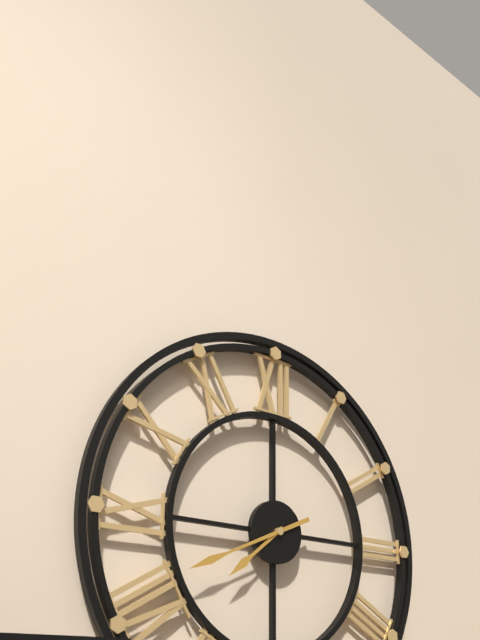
7.41
